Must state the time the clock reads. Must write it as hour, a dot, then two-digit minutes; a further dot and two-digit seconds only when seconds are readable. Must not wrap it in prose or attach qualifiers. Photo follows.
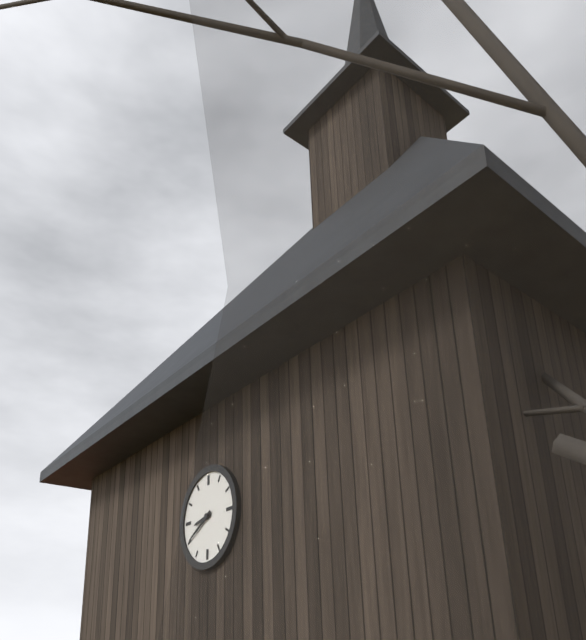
8.40
